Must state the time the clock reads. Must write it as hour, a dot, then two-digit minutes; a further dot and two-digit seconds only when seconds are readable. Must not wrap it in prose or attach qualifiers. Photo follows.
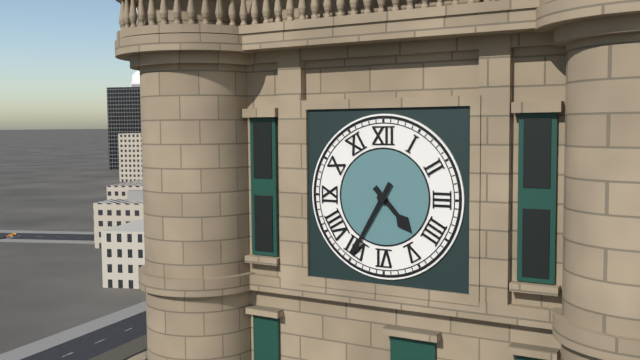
4.35
